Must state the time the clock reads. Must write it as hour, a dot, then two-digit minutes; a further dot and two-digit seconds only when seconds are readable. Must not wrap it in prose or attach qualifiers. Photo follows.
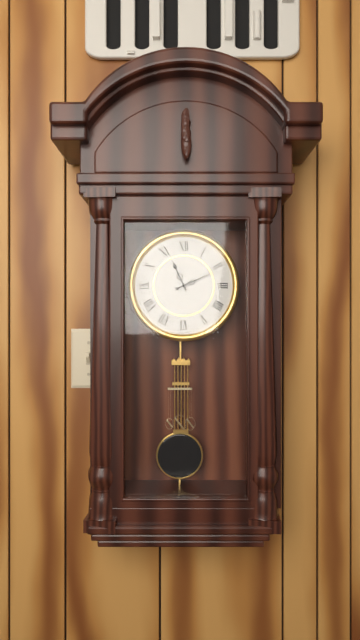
11.11
